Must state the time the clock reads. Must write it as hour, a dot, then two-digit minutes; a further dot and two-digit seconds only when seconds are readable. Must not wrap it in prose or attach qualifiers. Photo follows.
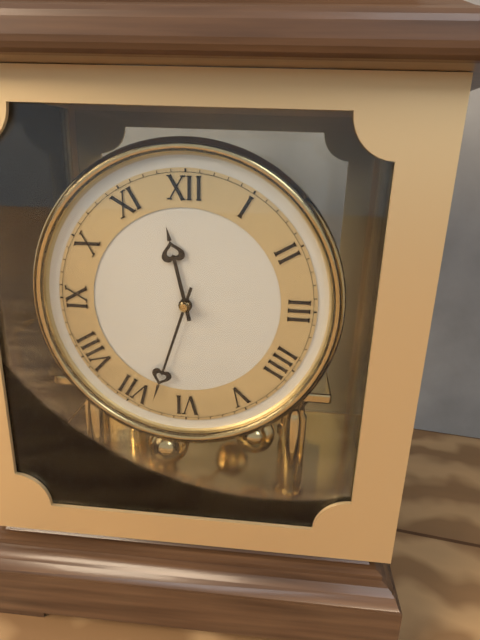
11.33
